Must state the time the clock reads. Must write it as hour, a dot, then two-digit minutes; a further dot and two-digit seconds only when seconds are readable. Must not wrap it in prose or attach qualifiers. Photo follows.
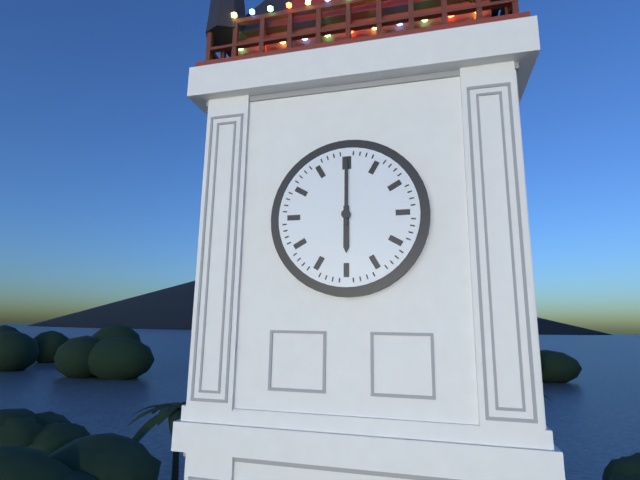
6.00
